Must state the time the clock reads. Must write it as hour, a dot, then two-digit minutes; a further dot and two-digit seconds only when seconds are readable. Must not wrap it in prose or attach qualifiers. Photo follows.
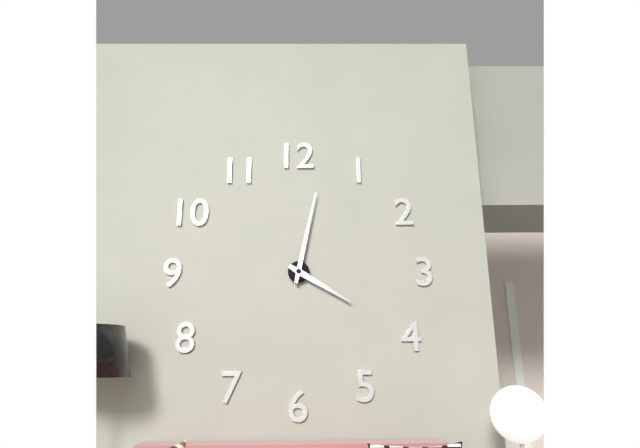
4.02
